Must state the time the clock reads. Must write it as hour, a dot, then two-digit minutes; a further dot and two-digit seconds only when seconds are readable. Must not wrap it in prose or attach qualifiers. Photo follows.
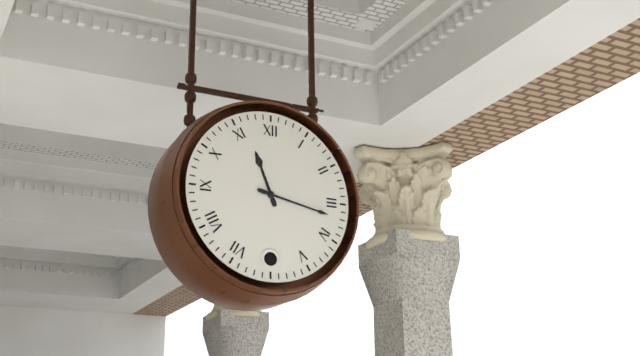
11.17
